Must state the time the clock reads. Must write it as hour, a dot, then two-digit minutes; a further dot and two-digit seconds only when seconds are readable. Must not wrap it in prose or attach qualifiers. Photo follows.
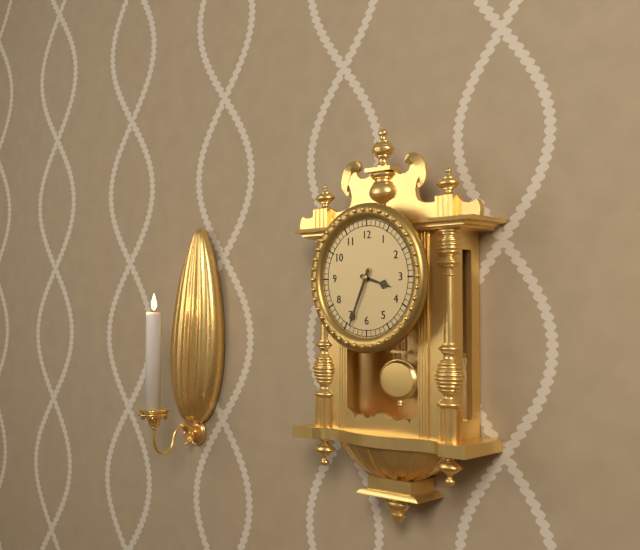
3.34
